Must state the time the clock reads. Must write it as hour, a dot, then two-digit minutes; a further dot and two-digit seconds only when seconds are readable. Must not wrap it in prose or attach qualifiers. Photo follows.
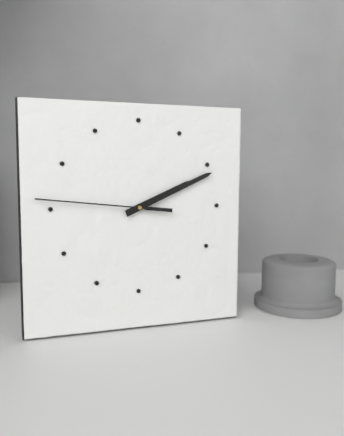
2.11.46
